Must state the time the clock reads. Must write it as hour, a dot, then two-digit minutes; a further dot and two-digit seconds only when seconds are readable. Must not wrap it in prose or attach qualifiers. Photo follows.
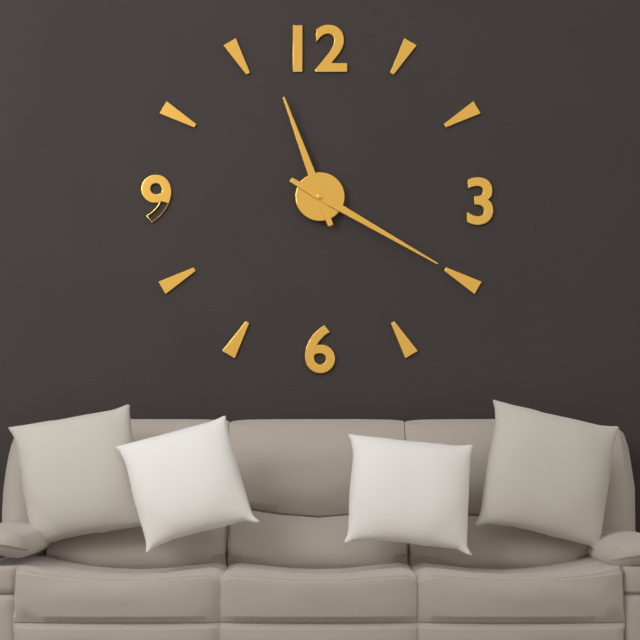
11.20
